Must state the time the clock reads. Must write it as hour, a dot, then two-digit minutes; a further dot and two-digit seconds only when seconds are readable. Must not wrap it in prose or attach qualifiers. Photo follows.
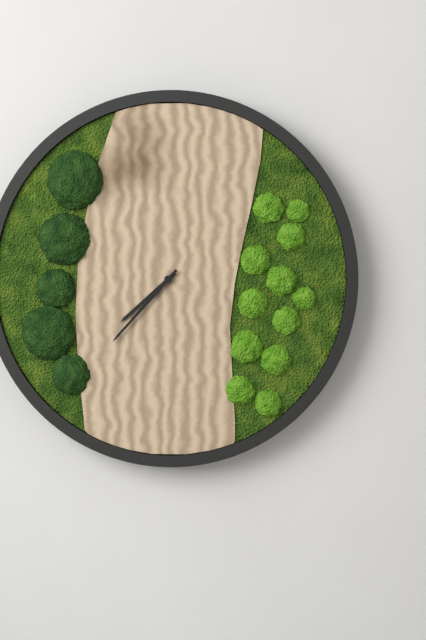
7.37
